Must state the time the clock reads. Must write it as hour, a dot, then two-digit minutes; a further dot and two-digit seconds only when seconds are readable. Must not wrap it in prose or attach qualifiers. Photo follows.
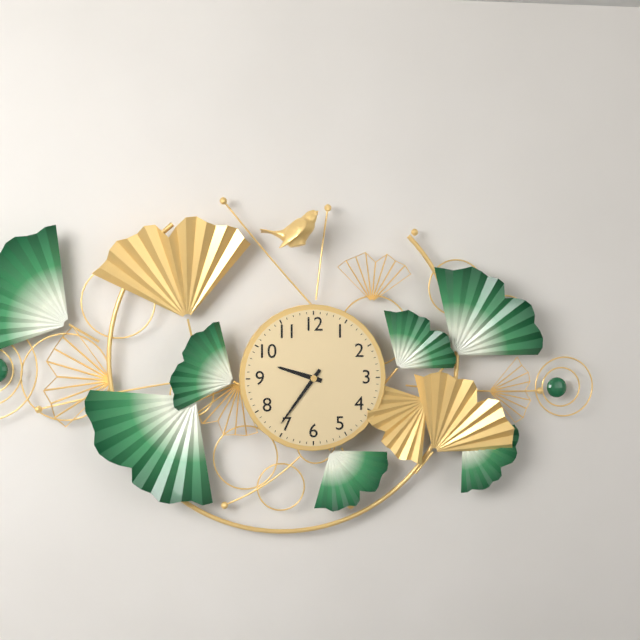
9.36
